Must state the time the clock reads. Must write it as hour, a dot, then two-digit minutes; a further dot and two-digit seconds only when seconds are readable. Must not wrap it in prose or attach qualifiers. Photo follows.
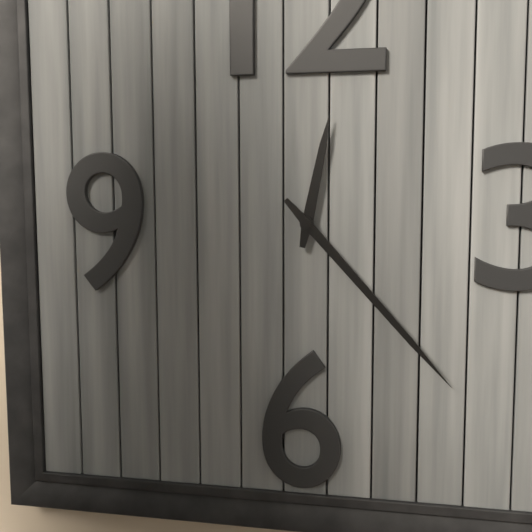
12.23
